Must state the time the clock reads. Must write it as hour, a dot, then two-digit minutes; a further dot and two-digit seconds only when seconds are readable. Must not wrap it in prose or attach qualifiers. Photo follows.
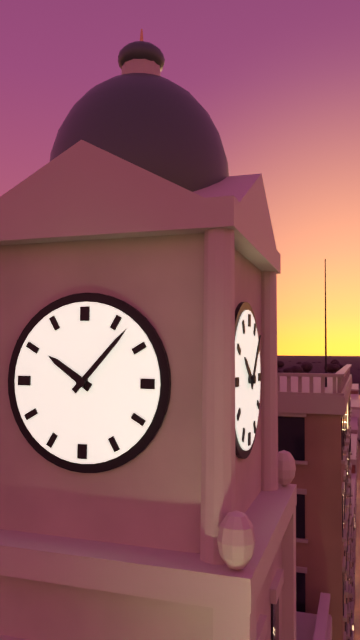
10.07
